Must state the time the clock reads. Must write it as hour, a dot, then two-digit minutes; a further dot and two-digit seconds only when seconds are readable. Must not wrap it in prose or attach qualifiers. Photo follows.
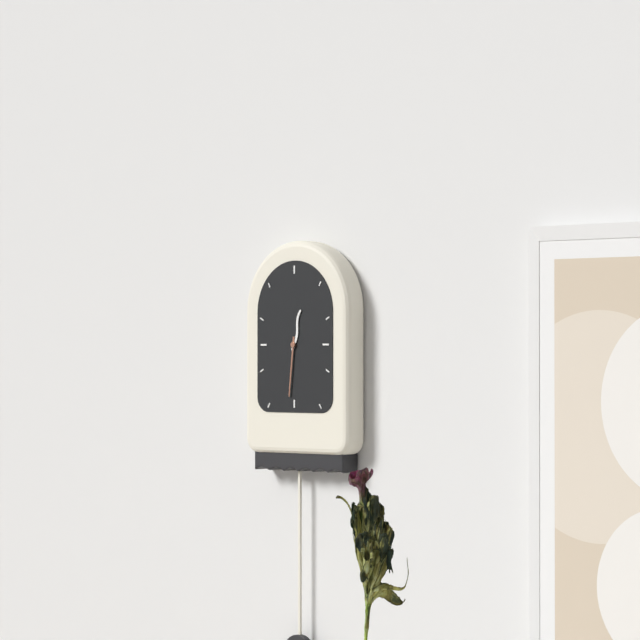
12.31
